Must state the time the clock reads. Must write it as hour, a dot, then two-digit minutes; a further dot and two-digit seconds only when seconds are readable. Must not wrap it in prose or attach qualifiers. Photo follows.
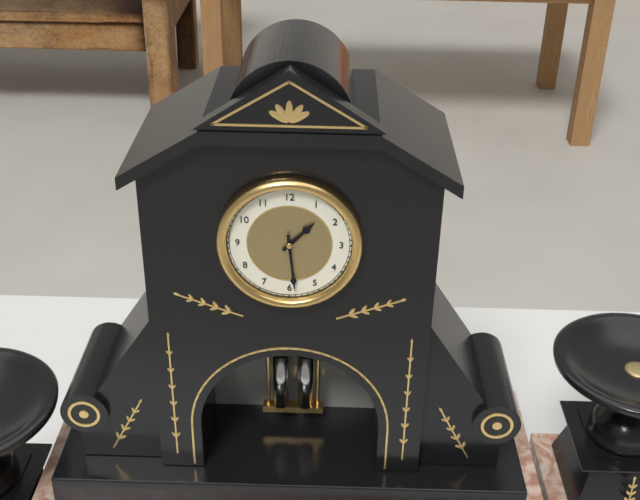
1.29
